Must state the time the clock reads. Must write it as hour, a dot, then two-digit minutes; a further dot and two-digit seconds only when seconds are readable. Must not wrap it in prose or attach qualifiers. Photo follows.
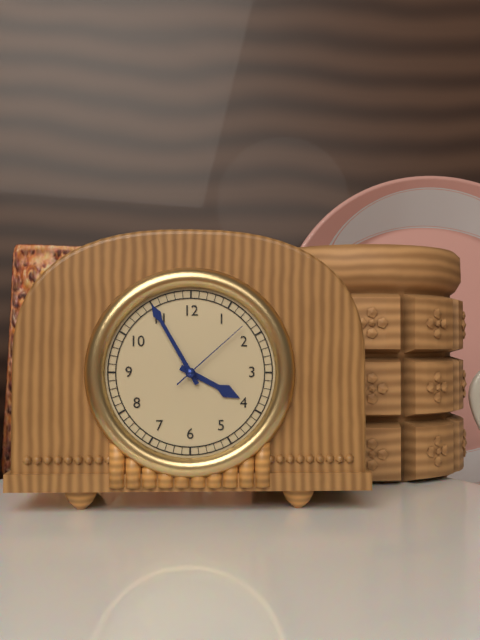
3.55.08
